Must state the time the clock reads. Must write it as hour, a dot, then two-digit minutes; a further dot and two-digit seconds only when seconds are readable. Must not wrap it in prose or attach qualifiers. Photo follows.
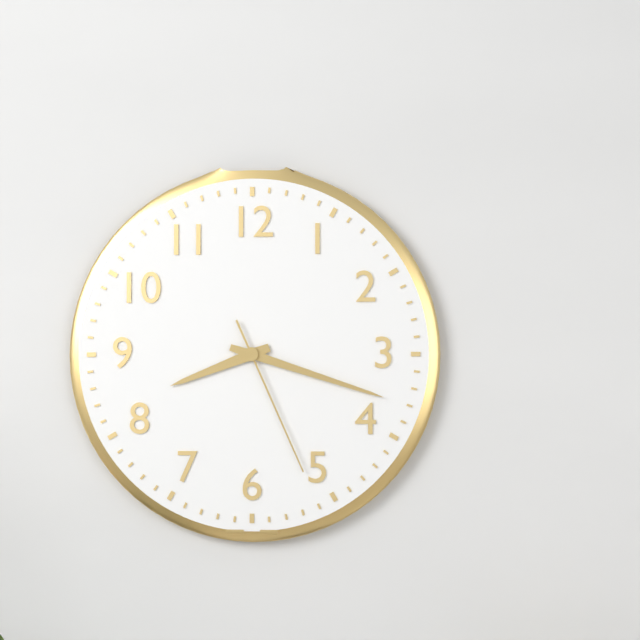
8.18.26
